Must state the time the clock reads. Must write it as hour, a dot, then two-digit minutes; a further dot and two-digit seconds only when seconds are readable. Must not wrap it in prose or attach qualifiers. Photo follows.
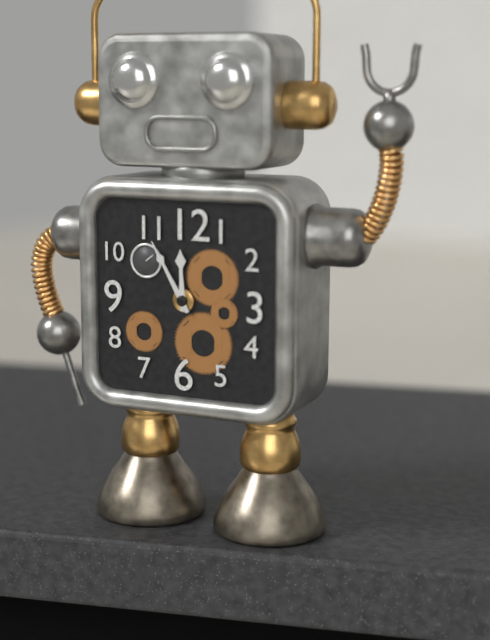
11.55
